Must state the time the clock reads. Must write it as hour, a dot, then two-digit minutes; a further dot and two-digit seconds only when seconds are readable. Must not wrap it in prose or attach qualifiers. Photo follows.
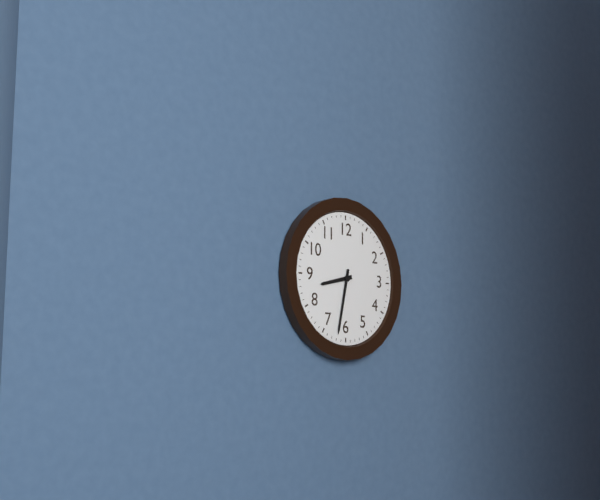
8.32
